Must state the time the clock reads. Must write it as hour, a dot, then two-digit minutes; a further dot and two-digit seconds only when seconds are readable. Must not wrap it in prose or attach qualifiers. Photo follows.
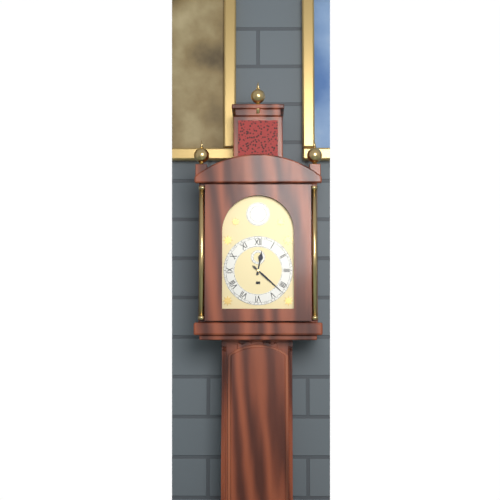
12.22
